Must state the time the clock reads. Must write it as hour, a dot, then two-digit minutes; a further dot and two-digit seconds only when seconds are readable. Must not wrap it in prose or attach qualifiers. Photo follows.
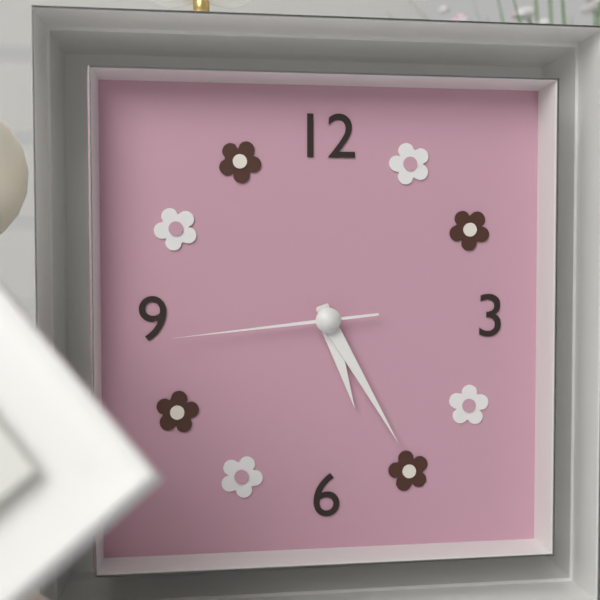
5.25.44
